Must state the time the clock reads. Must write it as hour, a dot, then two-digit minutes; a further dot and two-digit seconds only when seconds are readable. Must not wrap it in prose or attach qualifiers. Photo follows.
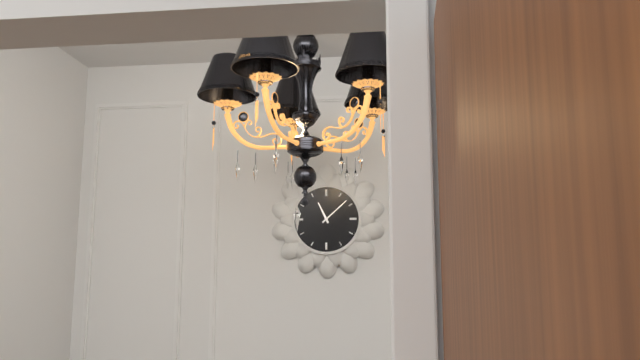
11.08
